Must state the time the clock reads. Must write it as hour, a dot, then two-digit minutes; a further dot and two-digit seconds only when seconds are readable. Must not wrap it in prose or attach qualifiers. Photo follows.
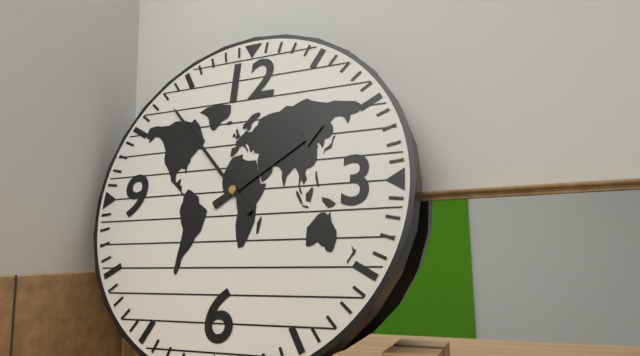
1.53
